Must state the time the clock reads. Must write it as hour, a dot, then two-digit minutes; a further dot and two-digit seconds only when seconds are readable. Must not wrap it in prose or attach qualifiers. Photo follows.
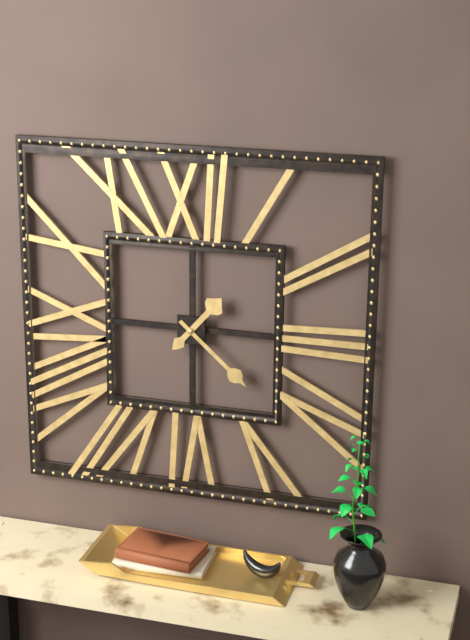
1.22
